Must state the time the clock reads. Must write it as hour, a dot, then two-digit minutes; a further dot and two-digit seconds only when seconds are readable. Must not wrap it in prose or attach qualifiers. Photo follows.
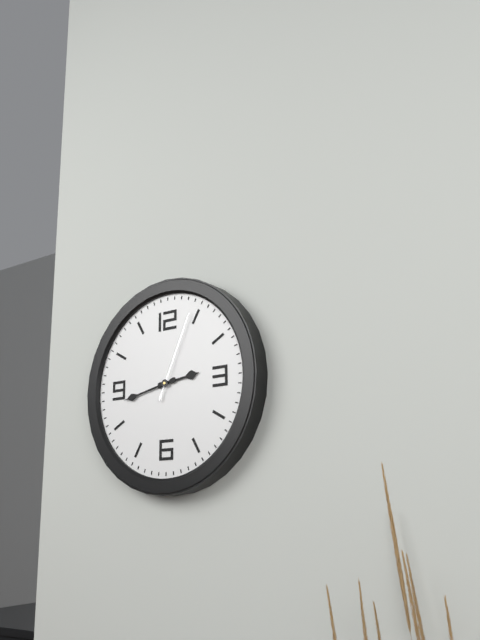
2.43.04
